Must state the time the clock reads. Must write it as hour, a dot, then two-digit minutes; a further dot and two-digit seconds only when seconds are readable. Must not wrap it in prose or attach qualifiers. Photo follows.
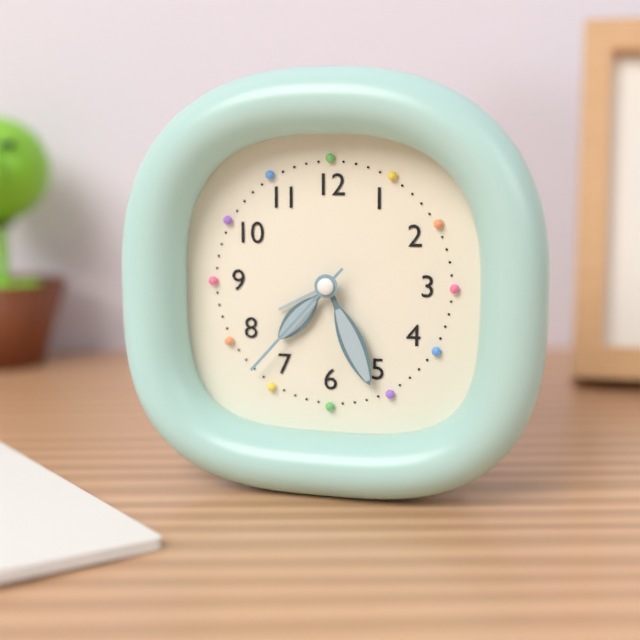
7.26.37
